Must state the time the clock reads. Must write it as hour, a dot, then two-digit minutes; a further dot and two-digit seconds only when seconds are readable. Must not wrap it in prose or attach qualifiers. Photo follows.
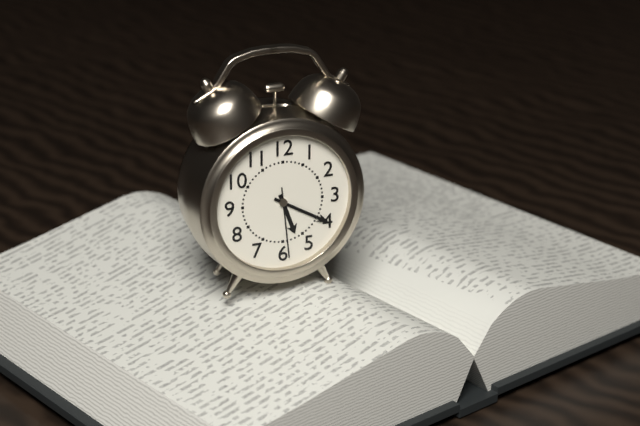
5.20.29
